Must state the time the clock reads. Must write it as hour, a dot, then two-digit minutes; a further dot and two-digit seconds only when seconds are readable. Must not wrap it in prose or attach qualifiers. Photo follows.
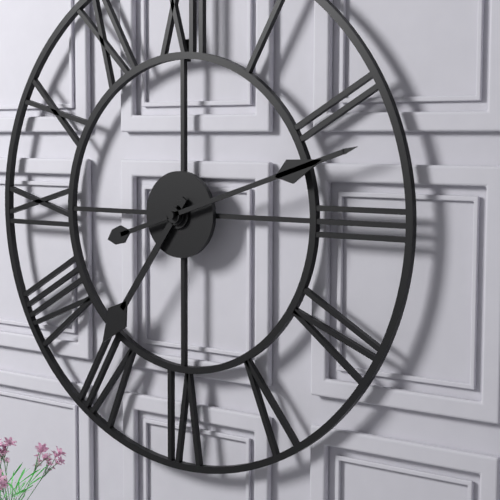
7.12
